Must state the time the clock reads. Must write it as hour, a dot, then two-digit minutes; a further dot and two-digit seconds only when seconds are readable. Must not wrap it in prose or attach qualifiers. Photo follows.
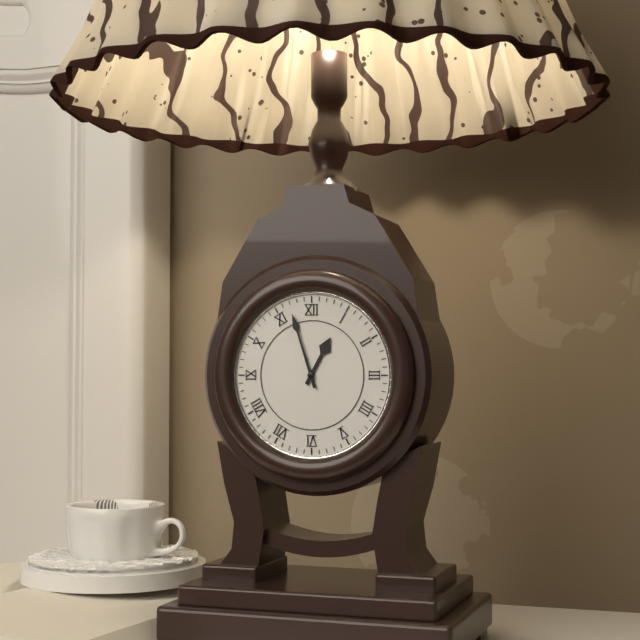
12.57
